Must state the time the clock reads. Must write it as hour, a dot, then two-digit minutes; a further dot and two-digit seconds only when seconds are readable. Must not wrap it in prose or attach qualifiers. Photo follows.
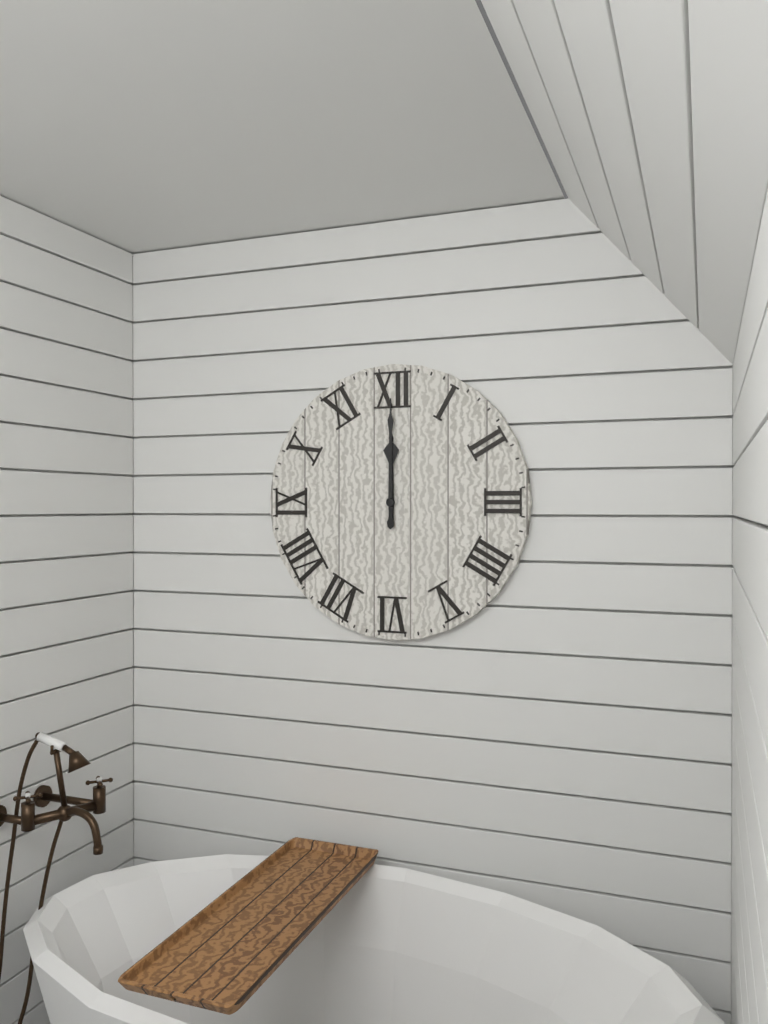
12.00
